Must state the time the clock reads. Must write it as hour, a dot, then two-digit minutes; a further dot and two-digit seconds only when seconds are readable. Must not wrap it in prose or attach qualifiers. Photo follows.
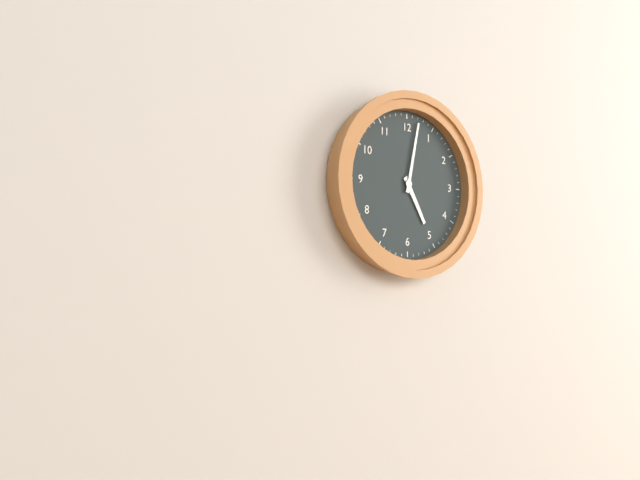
5.02
